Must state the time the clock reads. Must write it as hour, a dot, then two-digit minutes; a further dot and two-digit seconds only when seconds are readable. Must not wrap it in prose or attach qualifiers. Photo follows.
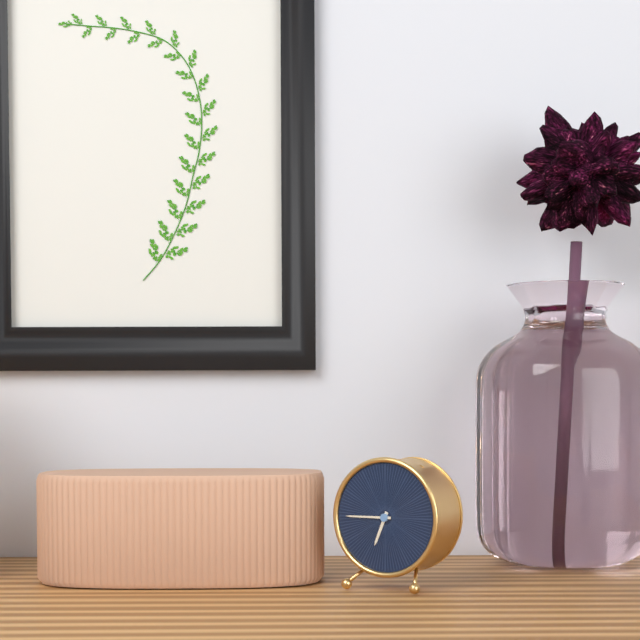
6.45
